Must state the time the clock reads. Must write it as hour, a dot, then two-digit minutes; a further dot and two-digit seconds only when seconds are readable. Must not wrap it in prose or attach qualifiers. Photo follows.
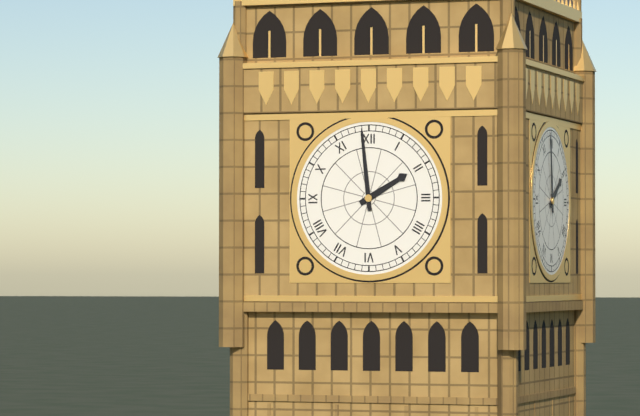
1.59
